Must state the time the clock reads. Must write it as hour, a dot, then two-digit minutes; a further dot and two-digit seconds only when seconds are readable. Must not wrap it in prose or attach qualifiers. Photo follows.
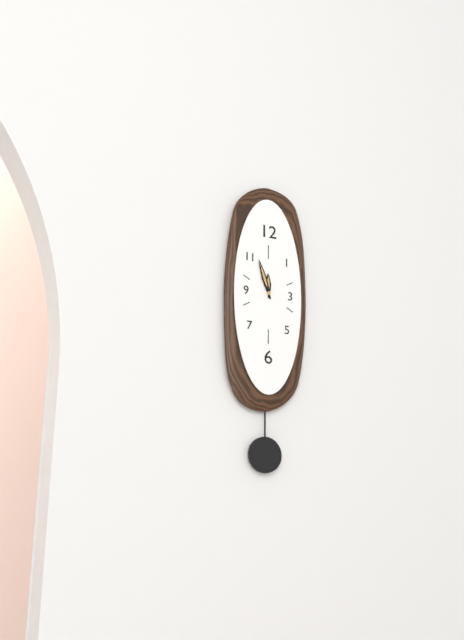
11.57
